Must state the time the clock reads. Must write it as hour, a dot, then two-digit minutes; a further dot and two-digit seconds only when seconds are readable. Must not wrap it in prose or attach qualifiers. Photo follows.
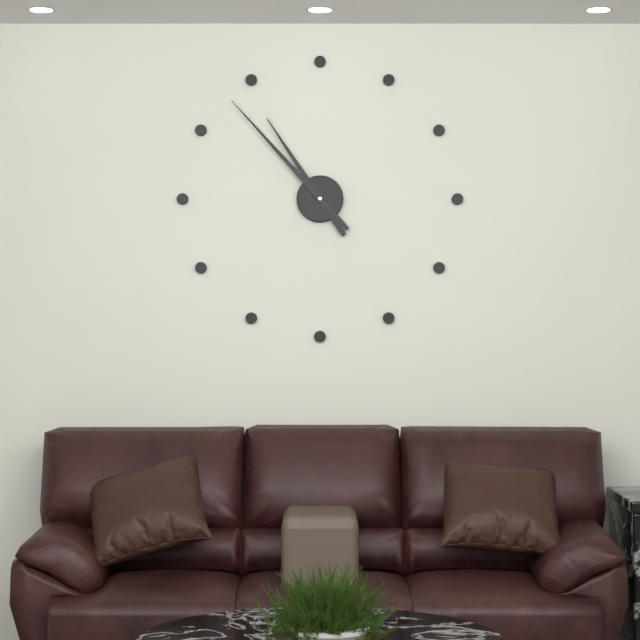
10.53
